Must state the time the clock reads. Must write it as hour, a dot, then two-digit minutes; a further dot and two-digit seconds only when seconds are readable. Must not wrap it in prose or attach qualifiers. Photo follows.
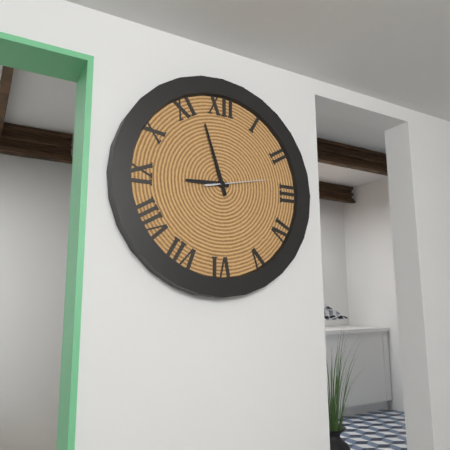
8.57.13
